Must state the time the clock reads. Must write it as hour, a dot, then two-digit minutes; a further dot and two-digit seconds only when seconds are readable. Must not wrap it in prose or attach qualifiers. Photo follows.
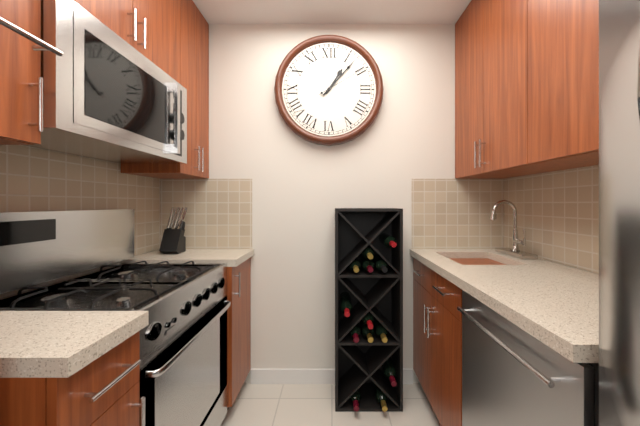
1.07.10
